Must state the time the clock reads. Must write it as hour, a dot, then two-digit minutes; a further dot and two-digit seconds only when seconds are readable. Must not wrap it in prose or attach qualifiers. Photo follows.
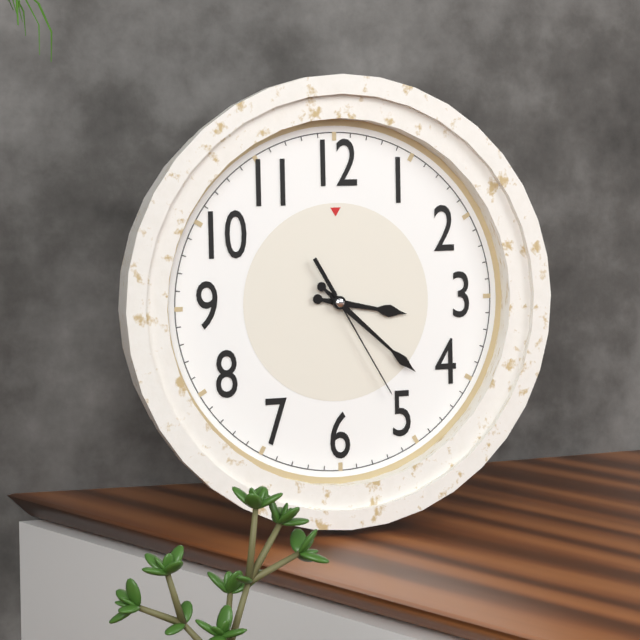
3.22.25
